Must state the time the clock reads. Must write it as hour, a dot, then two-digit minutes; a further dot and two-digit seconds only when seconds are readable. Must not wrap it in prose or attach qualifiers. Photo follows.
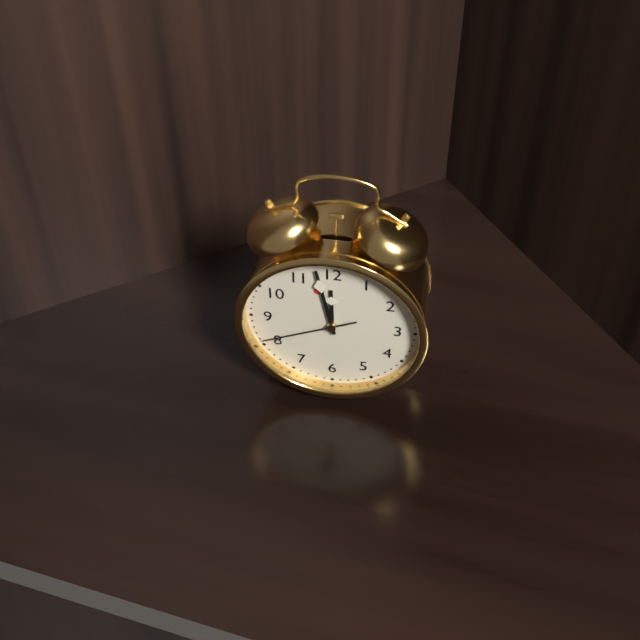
11.58.41
